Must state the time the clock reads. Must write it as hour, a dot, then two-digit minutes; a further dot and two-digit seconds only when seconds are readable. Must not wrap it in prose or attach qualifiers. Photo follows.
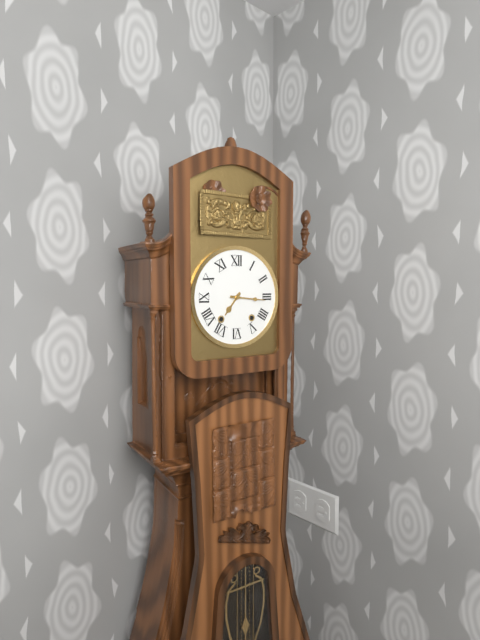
7.16
